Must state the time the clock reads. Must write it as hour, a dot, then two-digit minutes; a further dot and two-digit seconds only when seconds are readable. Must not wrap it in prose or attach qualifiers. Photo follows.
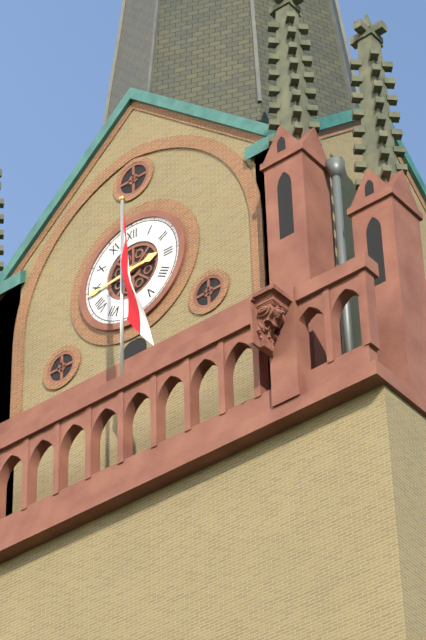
2.44
